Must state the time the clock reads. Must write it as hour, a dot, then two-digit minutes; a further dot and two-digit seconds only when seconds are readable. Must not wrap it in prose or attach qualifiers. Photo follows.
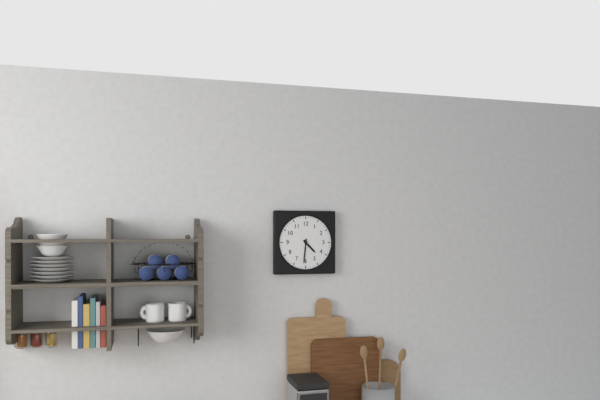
4.31
